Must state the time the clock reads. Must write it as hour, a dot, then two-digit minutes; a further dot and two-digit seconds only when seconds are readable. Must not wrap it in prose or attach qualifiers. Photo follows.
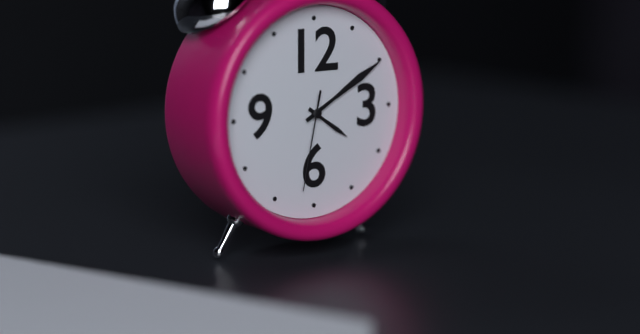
4.10.32
